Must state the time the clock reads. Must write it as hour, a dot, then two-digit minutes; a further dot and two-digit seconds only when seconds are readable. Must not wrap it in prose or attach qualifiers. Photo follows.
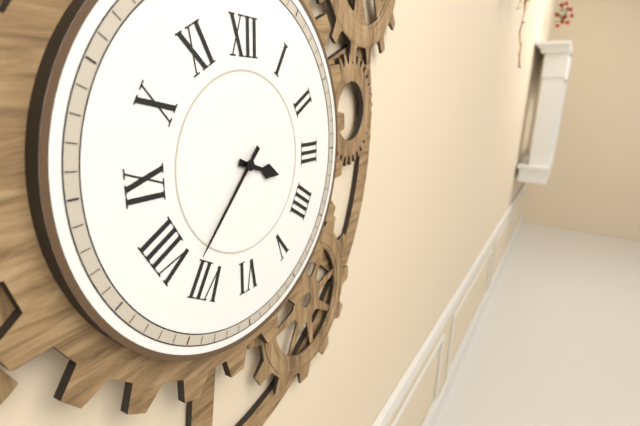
3.37
